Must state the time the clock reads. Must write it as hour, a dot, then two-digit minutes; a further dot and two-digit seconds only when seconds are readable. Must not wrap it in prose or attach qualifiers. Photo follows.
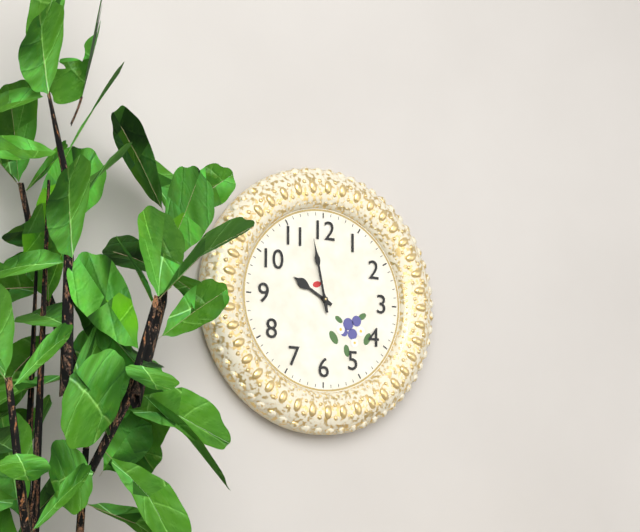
9.58
